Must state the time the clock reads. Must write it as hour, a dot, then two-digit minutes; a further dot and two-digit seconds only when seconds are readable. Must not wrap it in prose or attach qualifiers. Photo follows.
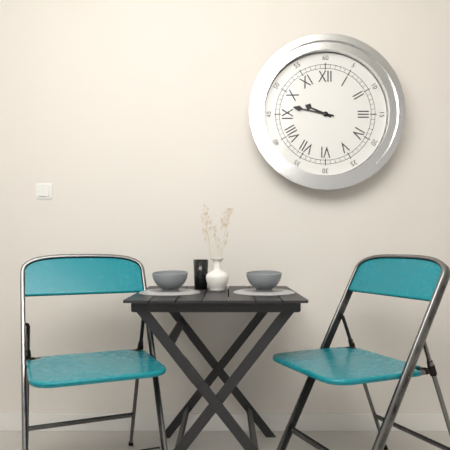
9.47
